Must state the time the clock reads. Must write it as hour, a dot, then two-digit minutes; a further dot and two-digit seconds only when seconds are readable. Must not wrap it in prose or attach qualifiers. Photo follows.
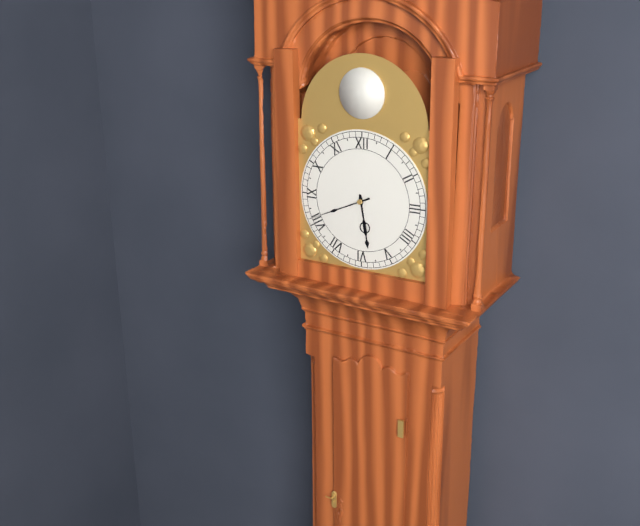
5.41
